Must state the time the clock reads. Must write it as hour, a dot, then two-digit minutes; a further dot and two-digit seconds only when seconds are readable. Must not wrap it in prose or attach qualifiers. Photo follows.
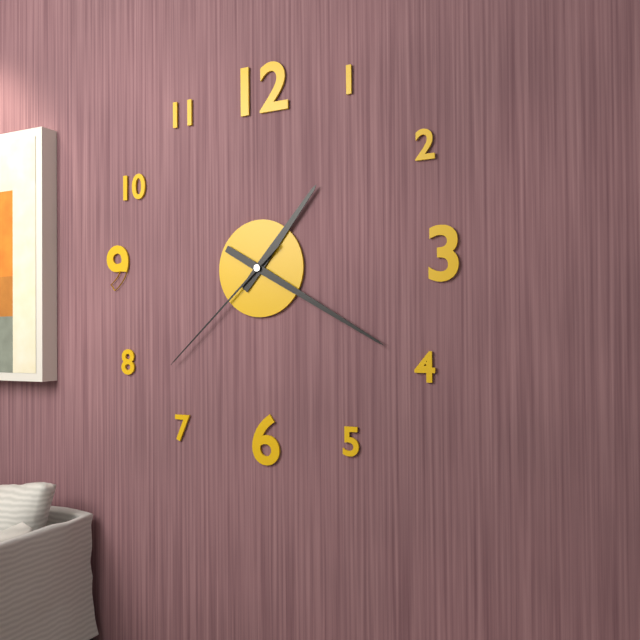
1.20.38
